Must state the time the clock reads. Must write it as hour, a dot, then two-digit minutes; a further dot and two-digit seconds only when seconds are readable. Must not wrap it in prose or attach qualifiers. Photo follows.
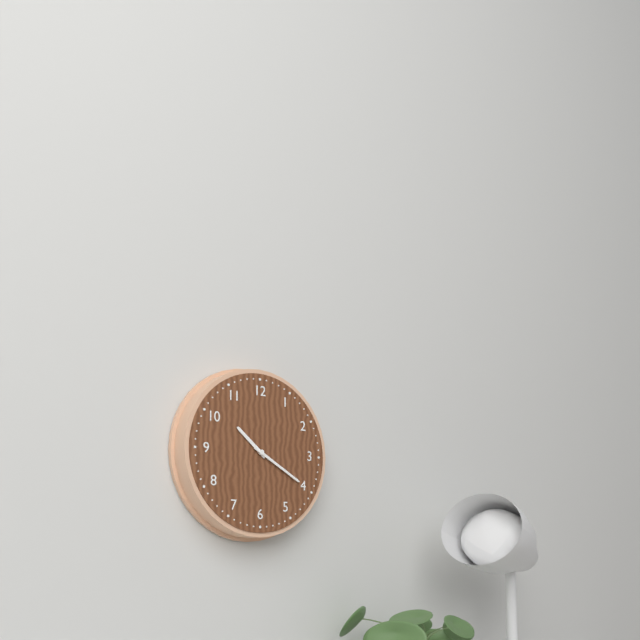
10.20
